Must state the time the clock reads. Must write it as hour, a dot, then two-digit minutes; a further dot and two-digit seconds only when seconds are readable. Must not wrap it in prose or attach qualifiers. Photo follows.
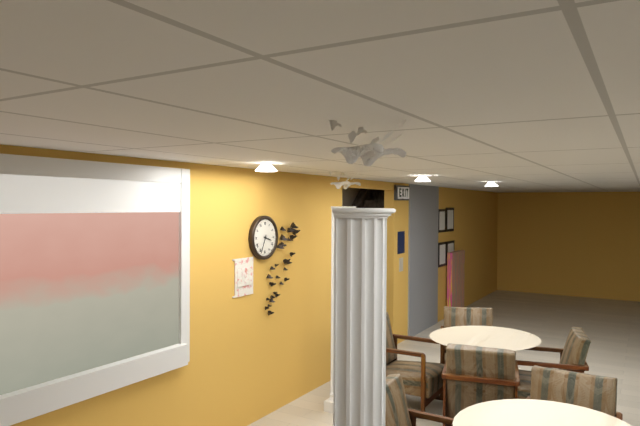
3.34
